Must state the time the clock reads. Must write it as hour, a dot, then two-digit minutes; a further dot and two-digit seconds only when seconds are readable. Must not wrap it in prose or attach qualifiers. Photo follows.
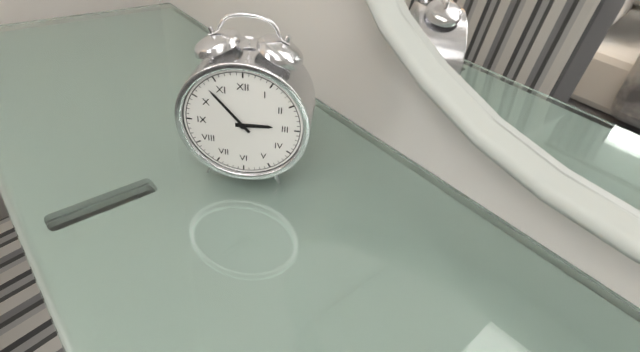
2.53
